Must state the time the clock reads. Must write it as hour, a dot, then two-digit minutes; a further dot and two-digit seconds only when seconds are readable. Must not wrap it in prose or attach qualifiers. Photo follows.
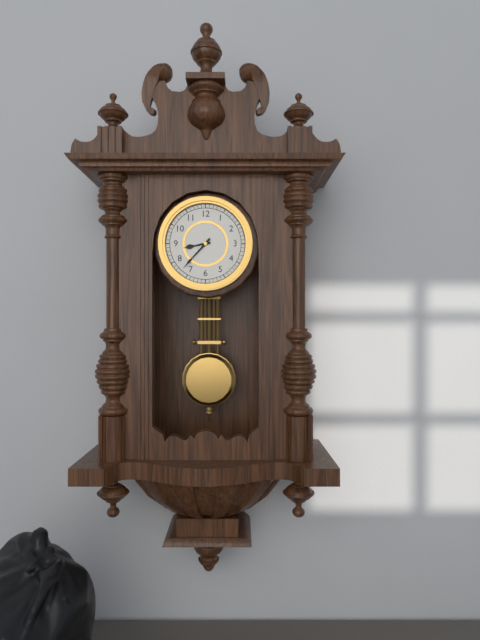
8.37
